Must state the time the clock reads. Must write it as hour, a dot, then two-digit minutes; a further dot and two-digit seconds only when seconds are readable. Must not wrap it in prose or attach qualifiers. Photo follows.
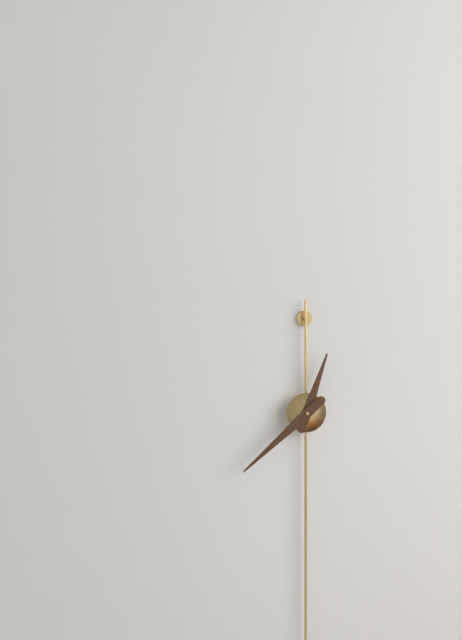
12.38
